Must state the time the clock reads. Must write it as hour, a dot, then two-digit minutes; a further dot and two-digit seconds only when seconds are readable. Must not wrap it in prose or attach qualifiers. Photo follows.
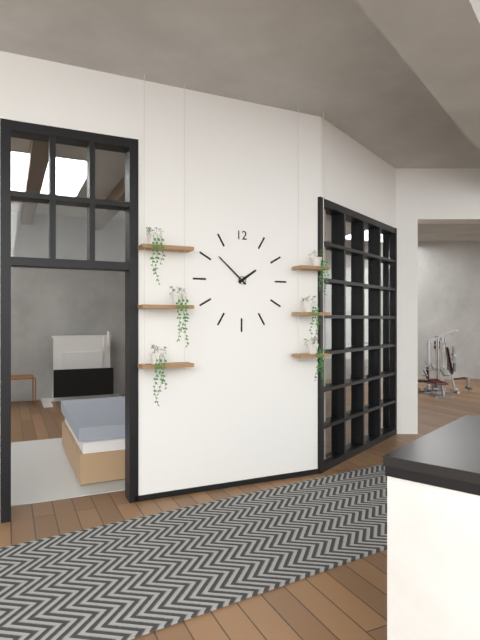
1.52
